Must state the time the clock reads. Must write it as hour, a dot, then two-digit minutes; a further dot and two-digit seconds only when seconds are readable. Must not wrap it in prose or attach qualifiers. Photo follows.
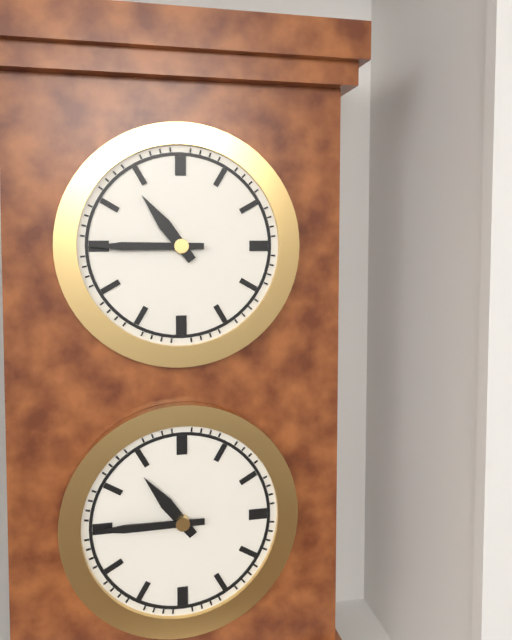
10.45
